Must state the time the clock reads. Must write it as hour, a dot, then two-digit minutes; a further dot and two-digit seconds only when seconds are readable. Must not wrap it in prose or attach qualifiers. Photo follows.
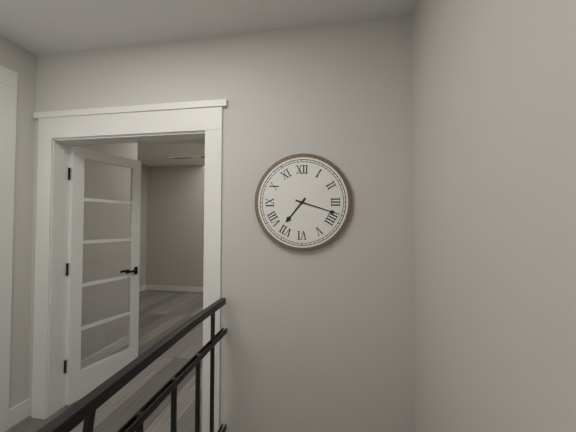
7.18
